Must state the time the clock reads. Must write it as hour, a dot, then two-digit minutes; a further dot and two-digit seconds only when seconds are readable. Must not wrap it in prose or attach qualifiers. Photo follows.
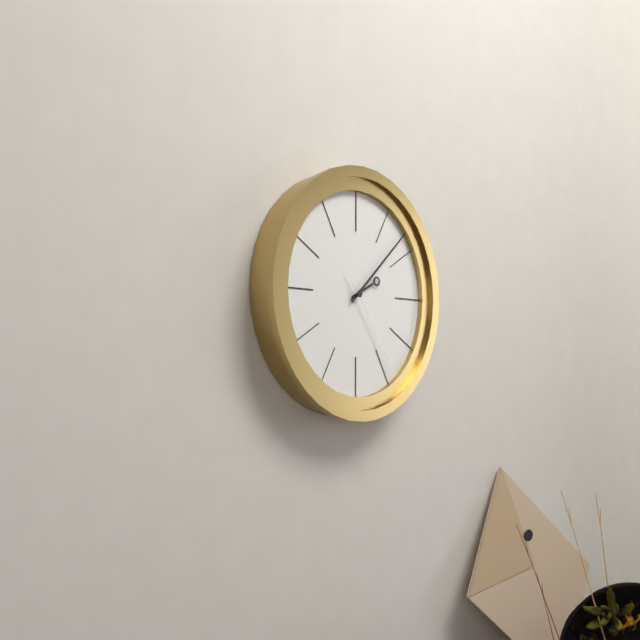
2.08.24
